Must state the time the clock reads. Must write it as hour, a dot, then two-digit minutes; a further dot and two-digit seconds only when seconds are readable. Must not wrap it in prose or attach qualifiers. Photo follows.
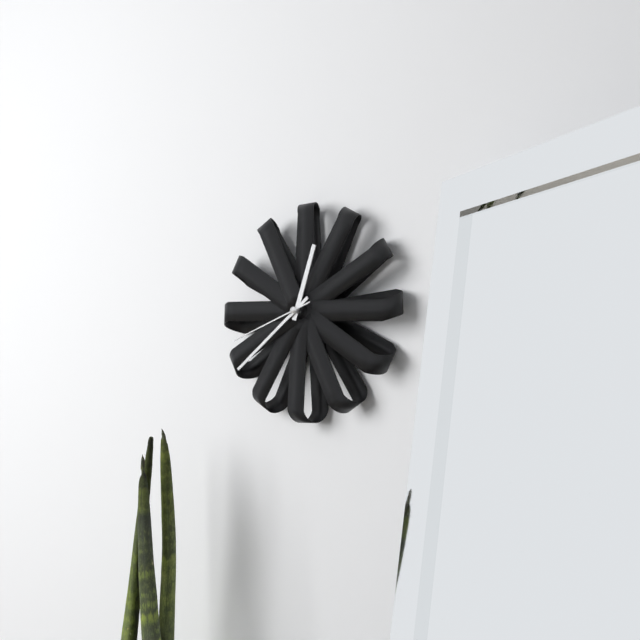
12.39.42
